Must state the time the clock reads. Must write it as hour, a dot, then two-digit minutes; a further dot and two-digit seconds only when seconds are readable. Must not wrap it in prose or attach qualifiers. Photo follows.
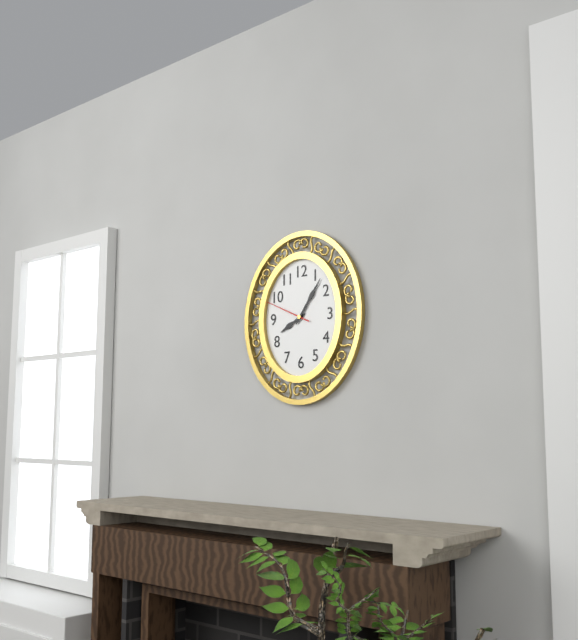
8.06.49
